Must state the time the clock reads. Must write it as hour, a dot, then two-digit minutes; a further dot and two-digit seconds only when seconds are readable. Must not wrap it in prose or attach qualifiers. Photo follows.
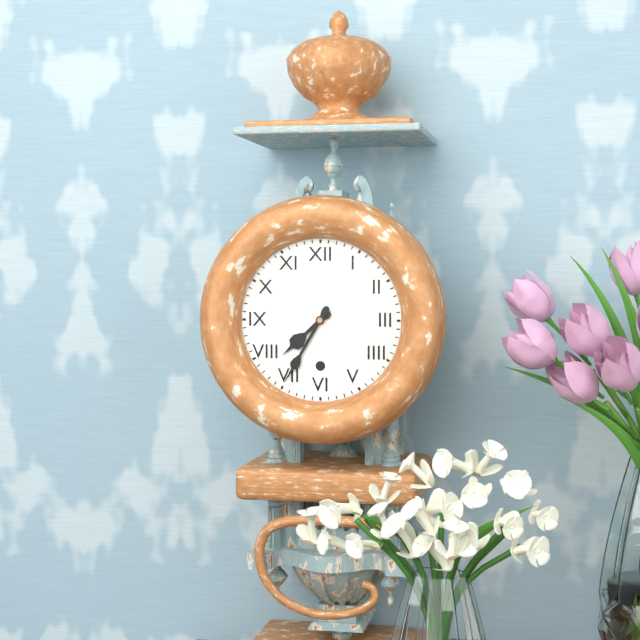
7.35
